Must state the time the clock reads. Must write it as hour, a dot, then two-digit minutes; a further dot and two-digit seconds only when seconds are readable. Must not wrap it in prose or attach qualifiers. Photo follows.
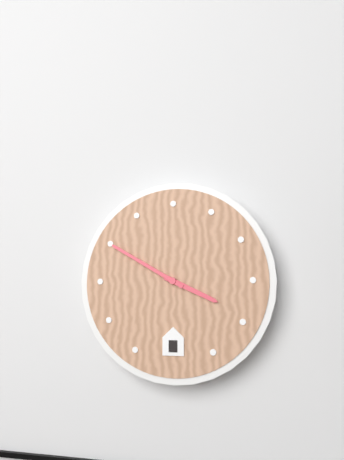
3.50
